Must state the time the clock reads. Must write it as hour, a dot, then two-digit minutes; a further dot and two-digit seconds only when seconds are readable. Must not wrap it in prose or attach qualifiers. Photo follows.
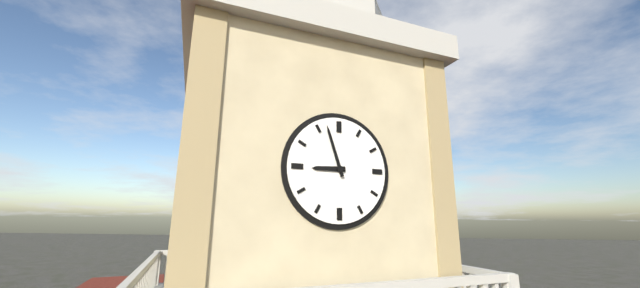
8.57
